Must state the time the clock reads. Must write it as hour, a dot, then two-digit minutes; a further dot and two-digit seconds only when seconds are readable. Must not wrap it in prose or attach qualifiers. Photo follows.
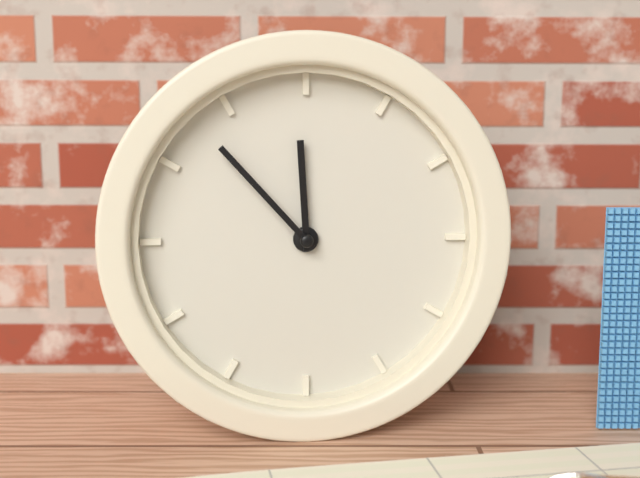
11.53
